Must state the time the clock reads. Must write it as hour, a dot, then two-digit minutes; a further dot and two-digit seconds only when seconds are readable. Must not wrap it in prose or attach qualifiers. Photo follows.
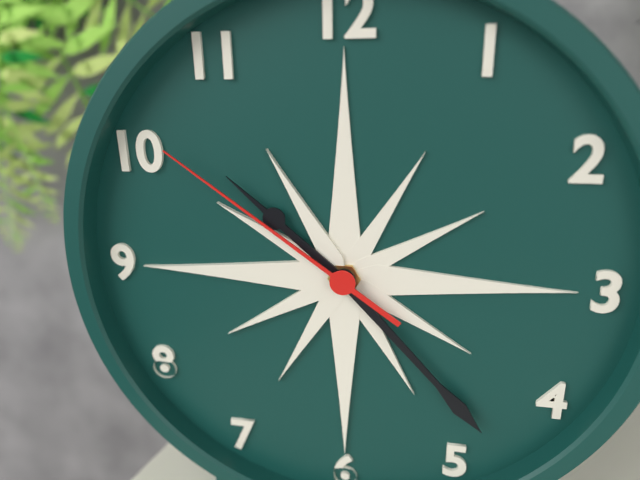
10.23.51
